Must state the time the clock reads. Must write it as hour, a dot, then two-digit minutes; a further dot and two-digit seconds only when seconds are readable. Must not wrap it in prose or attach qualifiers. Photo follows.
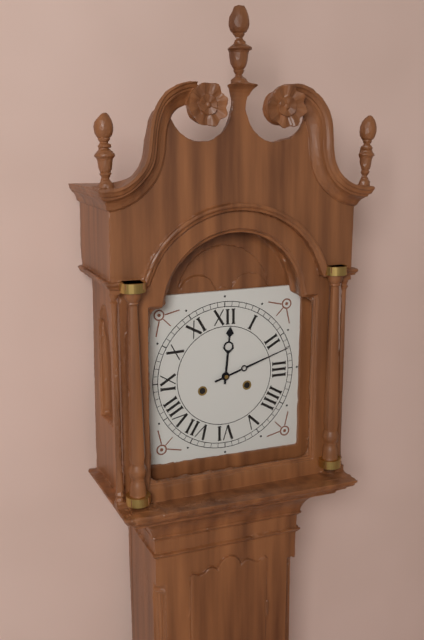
12.12
